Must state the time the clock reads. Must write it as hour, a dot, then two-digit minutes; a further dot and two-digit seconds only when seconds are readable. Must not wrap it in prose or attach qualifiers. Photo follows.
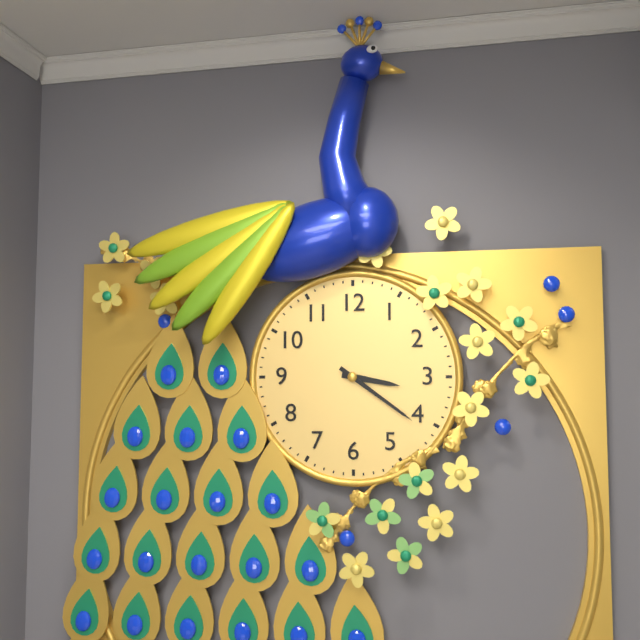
3.21
